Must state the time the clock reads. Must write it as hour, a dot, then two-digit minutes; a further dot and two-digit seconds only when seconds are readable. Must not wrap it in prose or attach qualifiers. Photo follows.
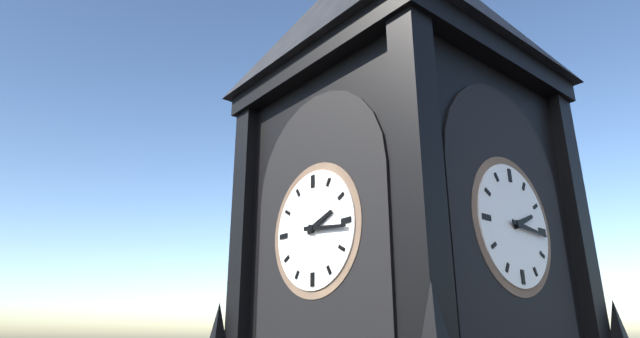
2.16
